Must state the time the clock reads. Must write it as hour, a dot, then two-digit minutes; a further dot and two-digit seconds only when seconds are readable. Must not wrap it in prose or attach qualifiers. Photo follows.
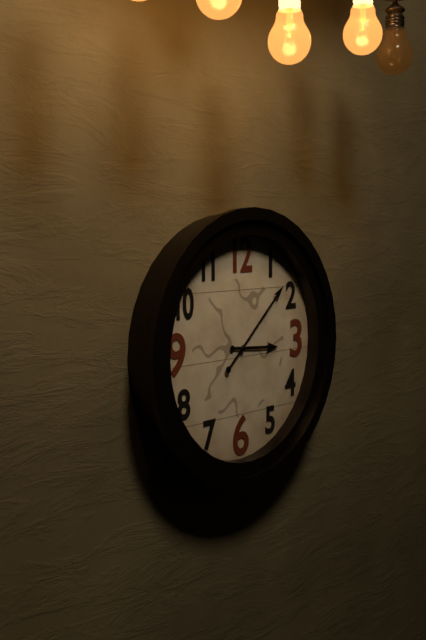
3.08
